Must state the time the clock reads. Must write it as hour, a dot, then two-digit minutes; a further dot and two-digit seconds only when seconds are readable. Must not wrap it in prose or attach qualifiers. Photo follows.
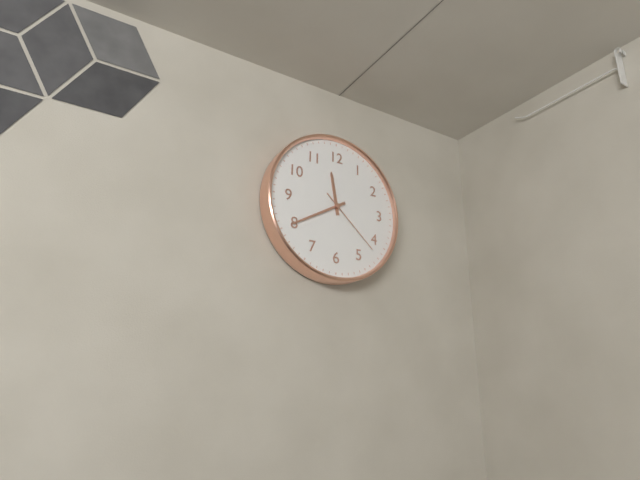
11.40.22
